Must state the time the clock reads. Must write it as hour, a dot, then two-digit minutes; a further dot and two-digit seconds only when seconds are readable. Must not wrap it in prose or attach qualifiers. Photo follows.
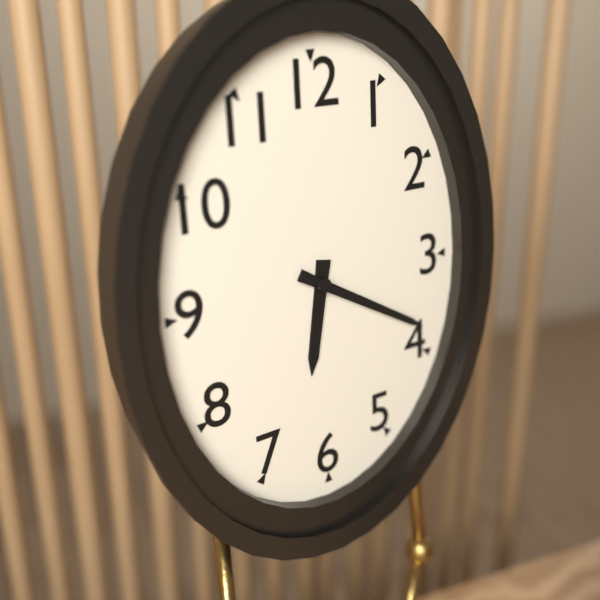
6.20
